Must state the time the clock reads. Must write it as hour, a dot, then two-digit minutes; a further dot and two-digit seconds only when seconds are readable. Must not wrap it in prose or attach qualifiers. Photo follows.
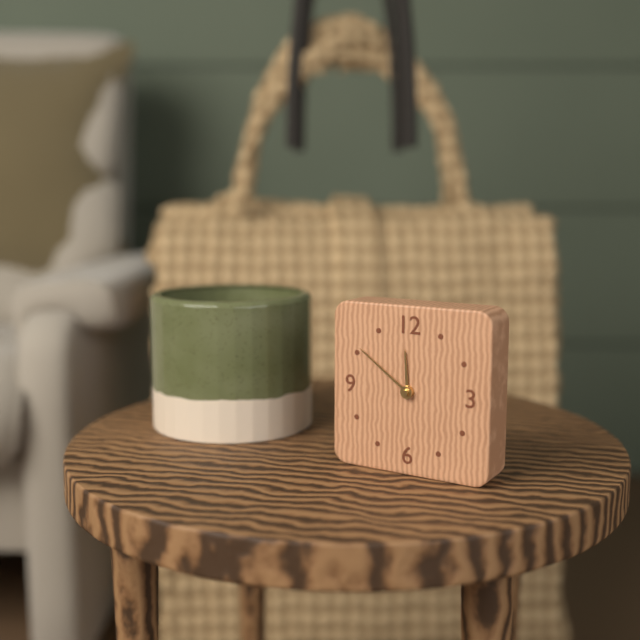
11.51
